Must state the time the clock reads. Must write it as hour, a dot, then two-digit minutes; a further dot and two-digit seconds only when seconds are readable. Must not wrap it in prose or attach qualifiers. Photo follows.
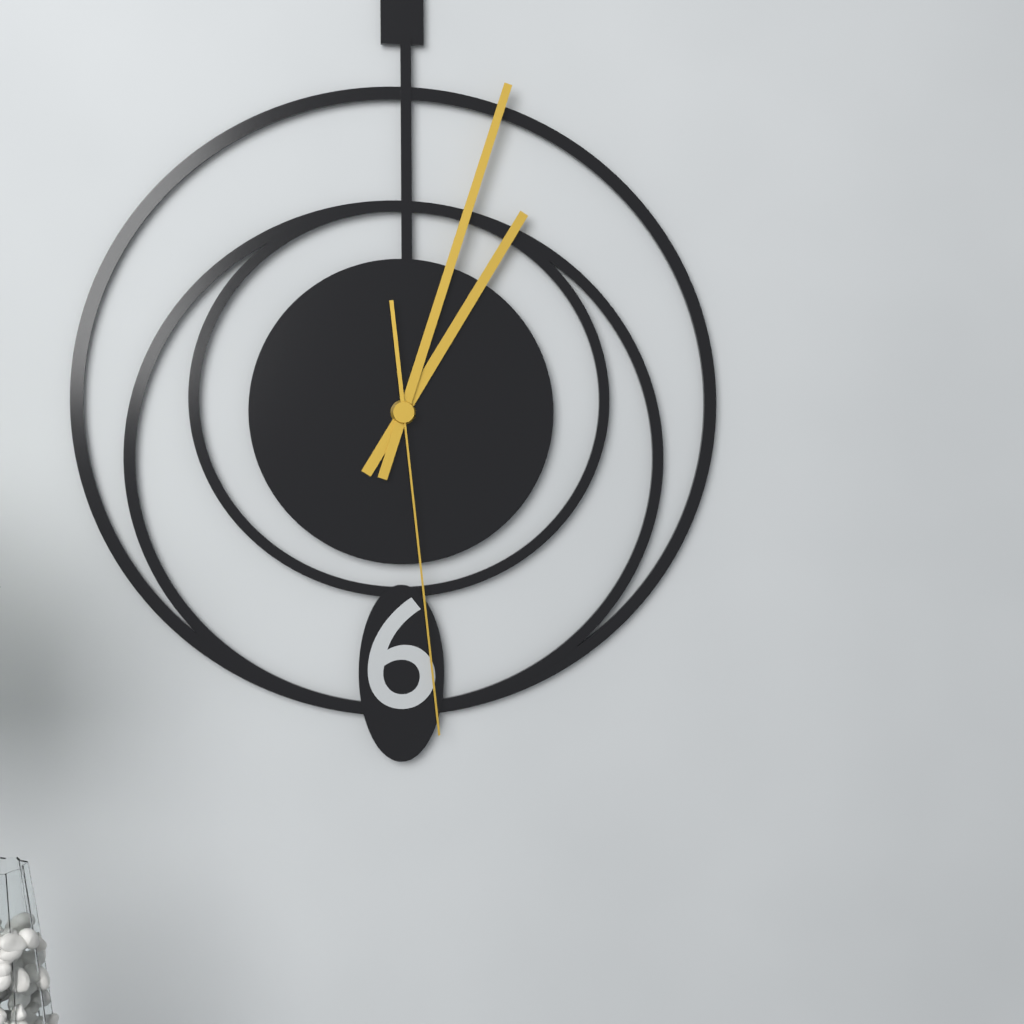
1.03.29
